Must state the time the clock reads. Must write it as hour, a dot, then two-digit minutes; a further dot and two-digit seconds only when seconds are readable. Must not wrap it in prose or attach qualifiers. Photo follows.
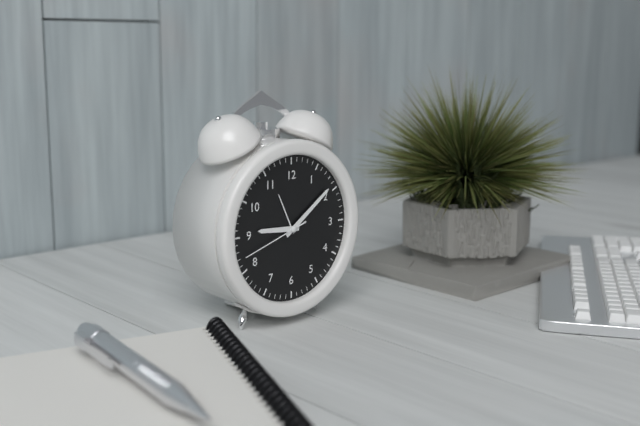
9.09.42
